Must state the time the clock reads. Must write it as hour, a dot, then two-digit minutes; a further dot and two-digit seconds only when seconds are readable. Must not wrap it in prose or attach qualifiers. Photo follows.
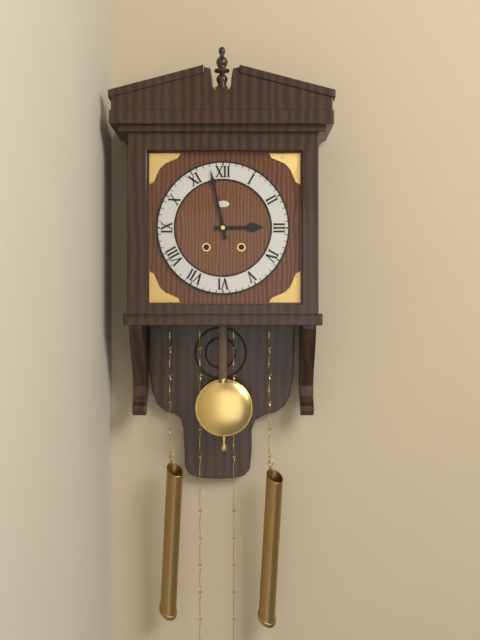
2.58
